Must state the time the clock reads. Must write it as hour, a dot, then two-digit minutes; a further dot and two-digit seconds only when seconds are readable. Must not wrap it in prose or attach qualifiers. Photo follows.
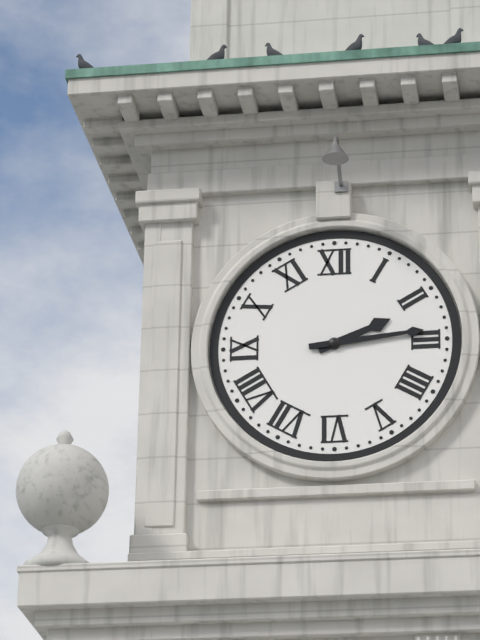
2.14
